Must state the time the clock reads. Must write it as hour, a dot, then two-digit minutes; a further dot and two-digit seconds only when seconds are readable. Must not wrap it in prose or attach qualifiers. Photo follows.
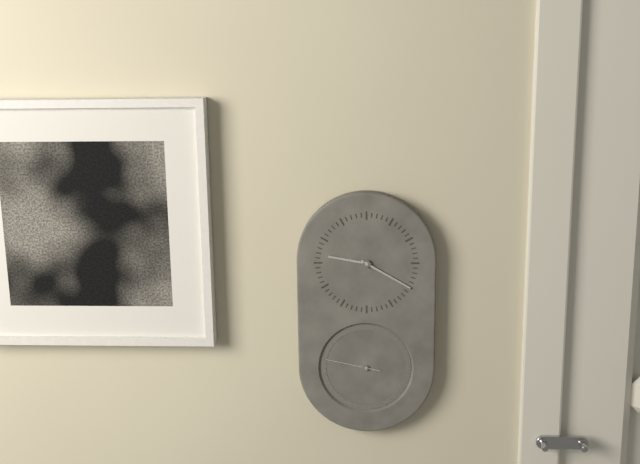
9.20.47
